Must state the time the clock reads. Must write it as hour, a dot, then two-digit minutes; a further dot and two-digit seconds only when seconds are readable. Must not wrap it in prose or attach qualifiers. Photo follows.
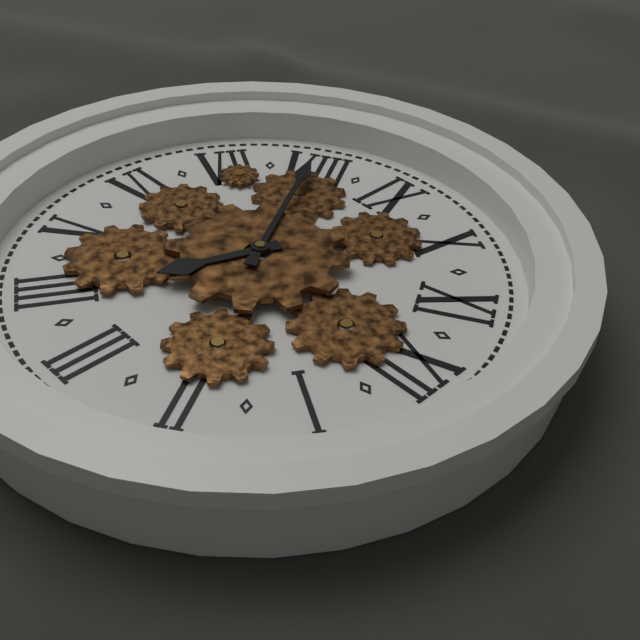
3.40
